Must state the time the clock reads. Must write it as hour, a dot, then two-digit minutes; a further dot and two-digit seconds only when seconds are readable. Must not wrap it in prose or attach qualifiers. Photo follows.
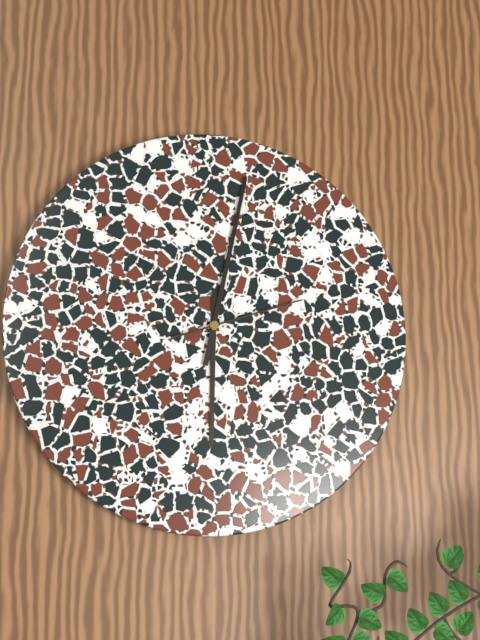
6.02.12
